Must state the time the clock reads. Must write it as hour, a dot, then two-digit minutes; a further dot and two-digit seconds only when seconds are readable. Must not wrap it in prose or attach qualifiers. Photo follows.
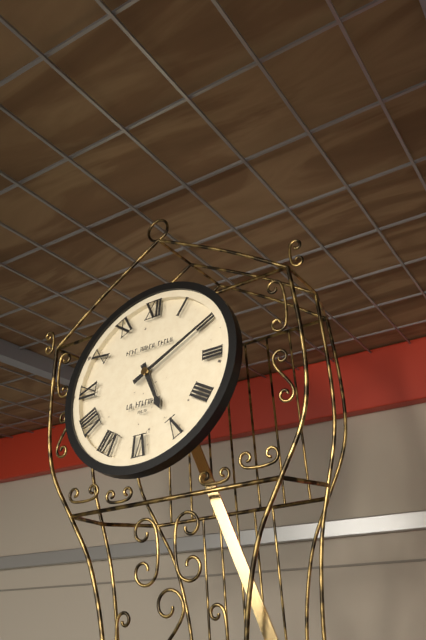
5.10
